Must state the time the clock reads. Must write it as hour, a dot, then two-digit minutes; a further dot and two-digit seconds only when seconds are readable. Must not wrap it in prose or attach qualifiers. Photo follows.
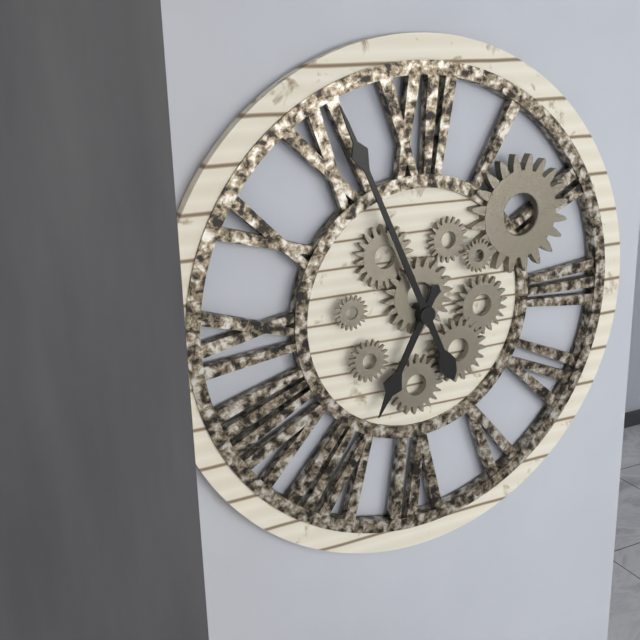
6.56
